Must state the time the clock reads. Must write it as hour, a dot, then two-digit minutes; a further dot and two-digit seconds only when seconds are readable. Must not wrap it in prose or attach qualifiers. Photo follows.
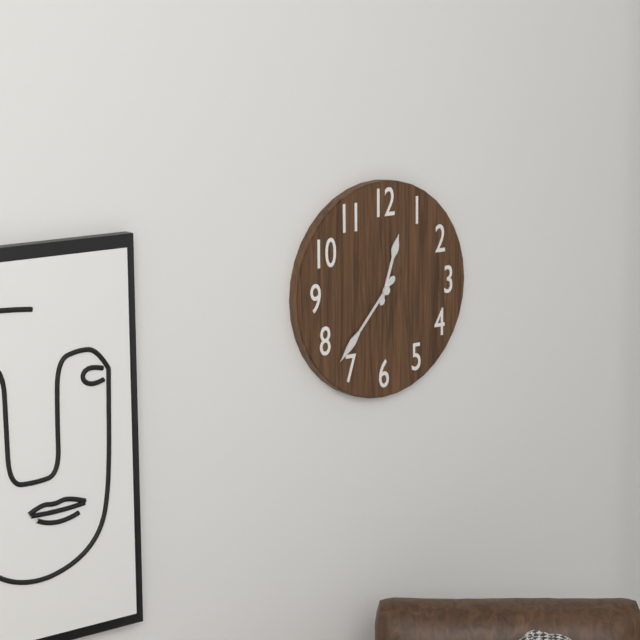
12.37
